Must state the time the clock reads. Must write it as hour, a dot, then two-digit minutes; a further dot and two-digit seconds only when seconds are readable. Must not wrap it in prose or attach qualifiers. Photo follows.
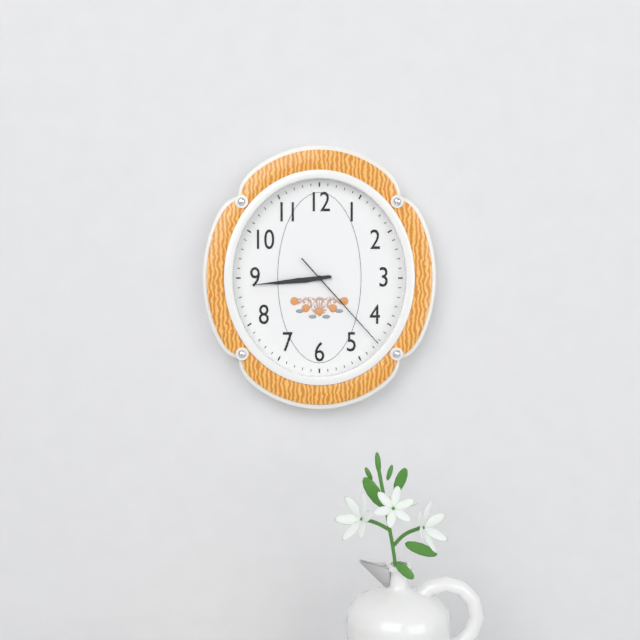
8.44.23
